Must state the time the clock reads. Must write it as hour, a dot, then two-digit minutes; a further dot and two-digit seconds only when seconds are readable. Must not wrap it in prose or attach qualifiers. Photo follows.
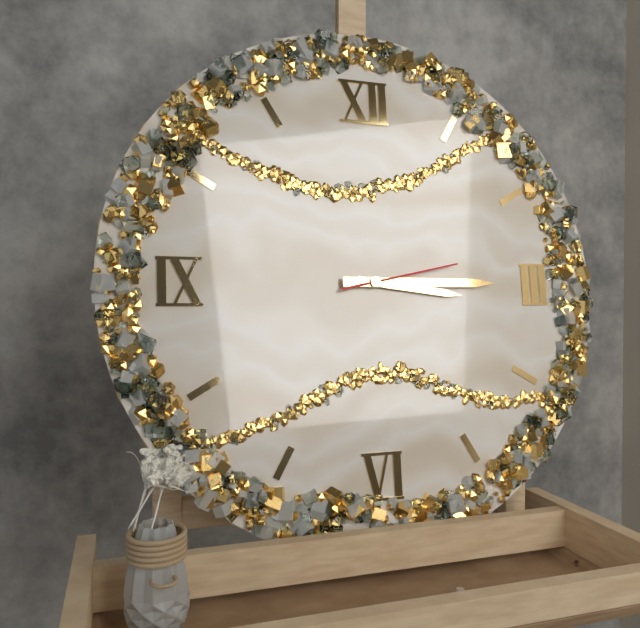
3.15.13
